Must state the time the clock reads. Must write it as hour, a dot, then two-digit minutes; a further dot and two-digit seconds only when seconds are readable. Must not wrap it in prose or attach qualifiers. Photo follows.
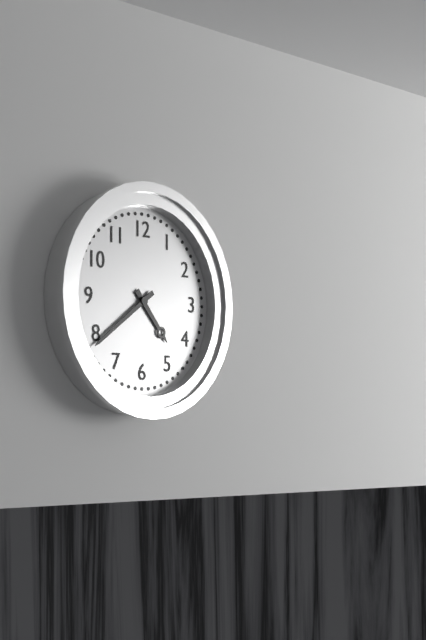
4.39
